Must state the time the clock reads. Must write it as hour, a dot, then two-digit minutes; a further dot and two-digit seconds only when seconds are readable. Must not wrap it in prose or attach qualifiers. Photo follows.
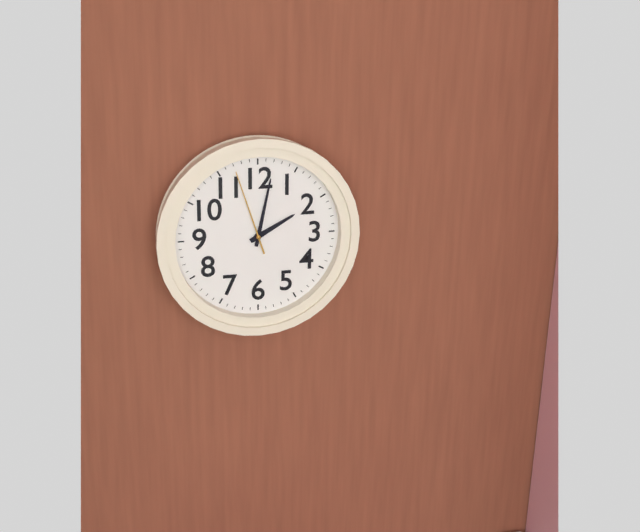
2.02.57
